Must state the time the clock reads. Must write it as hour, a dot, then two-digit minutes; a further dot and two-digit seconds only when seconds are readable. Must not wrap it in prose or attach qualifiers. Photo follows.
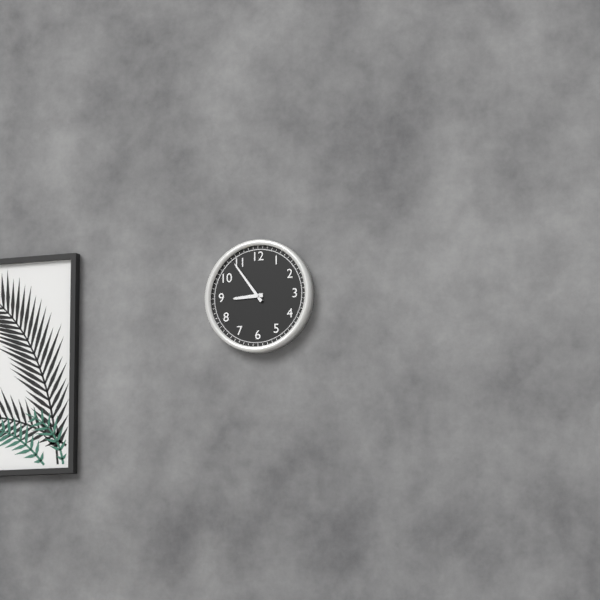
8.54
